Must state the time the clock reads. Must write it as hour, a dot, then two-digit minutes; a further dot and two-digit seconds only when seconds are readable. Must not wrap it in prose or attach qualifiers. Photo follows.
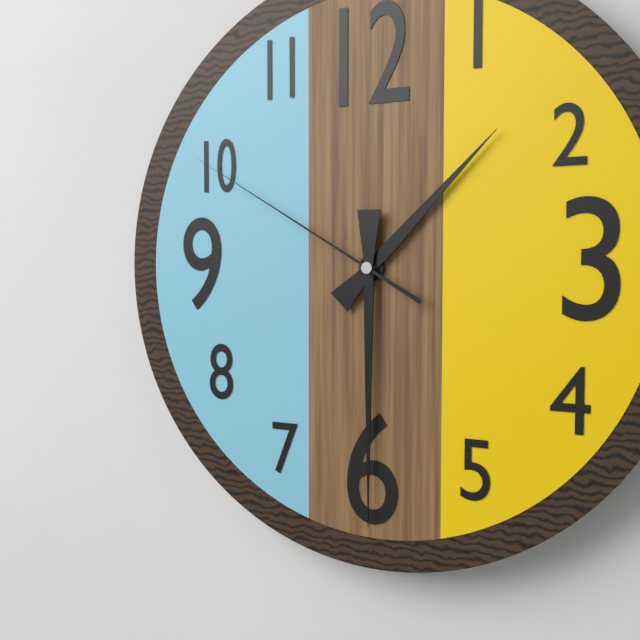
1.30.50
